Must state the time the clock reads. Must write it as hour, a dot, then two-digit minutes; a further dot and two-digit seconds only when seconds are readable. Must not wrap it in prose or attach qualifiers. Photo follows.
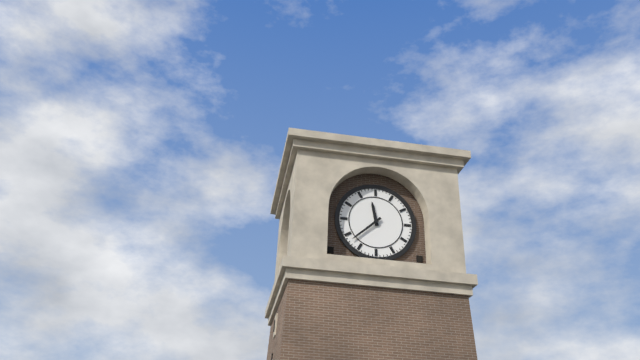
11.38
